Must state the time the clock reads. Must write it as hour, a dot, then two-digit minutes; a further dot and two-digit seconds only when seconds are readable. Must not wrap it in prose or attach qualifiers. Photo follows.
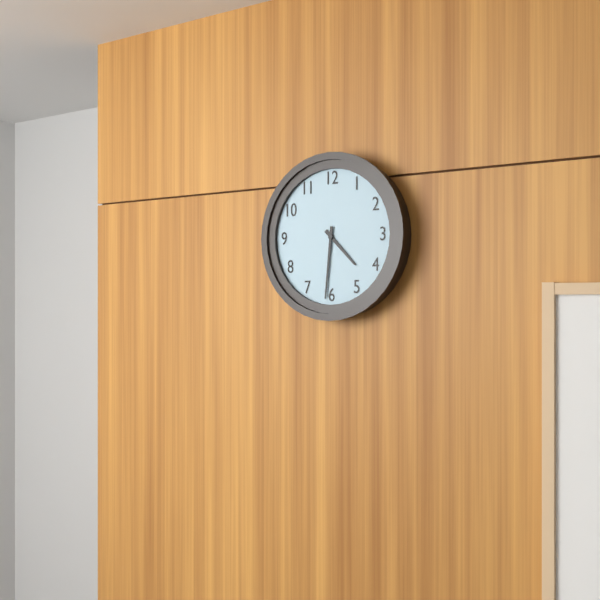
4.31
